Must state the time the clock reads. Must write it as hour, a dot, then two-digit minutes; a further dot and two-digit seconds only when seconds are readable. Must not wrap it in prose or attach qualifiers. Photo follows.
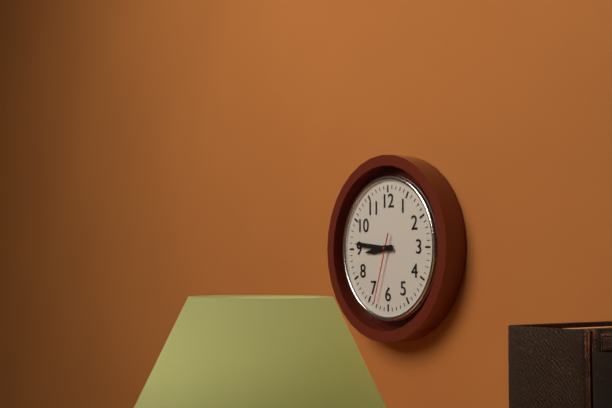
8.46.33
